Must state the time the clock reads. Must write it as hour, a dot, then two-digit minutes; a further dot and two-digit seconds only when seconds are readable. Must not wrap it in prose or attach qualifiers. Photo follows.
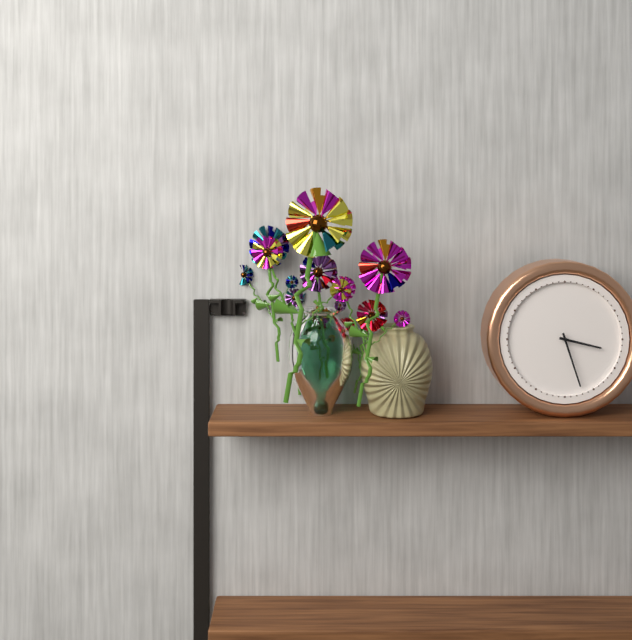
3.27
